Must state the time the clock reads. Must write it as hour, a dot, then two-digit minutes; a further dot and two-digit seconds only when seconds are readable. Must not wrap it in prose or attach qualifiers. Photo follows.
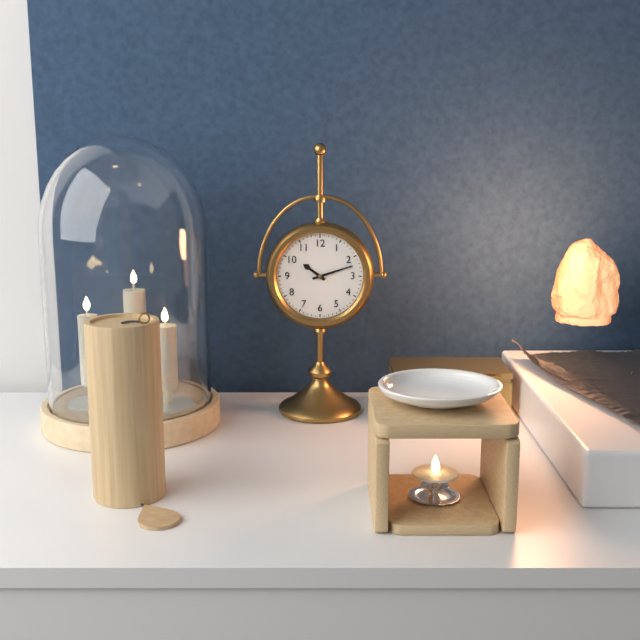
10.12
